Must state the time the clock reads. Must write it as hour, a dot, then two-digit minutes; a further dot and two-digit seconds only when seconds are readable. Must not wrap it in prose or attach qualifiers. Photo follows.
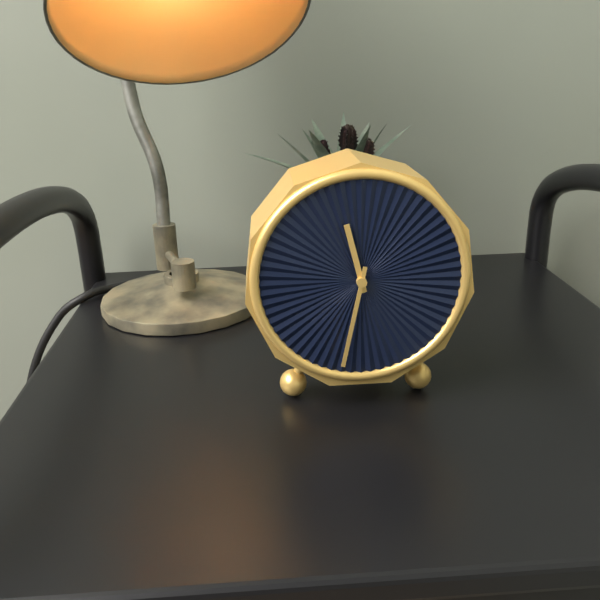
11.32
